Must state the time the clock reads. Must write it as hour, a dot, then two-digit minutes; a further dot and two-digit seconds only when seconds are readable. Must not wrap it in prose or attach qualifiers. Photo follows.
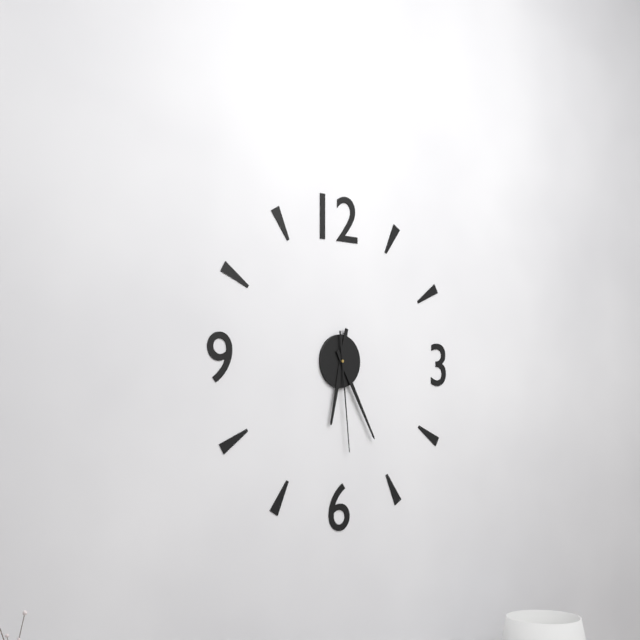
6.25.29
